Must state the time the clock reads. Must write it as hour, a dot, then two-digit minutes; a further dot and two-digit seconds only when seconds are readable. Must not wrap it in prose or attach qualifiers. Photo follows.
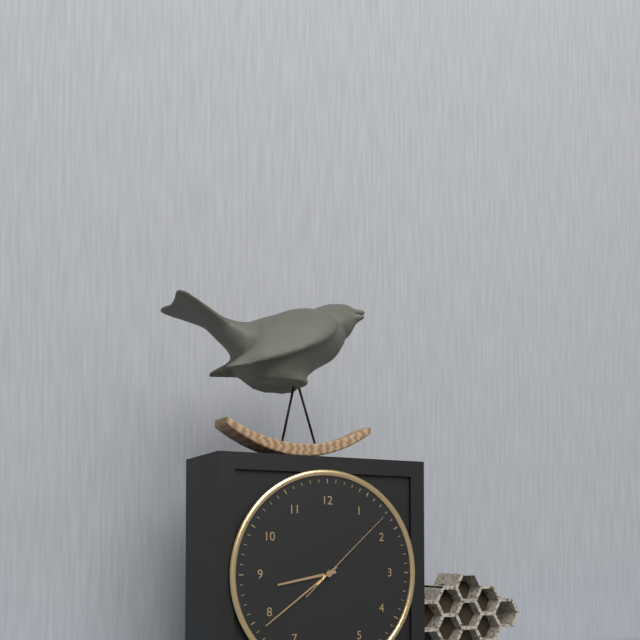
8.39.08
